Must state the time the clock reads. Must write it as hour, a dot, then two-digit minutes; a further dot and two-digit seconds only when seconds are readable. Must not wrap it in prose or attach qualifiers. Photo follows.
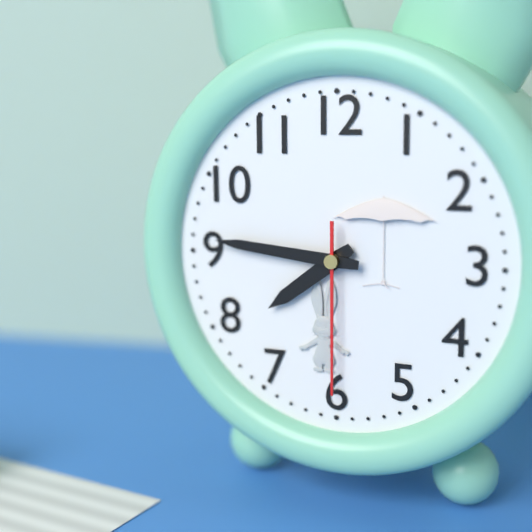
7.46.30
